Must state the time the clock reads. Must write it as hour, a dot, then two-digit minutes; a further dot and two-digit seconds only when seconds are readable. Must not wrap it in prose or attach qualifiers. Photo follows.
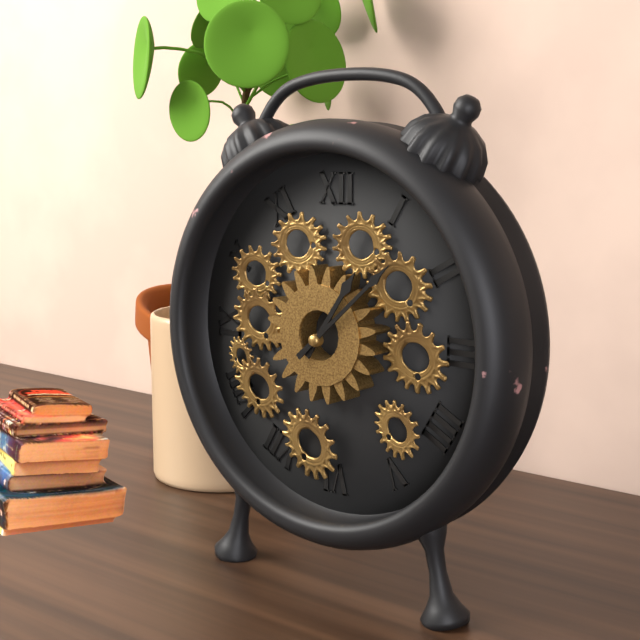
1.08
